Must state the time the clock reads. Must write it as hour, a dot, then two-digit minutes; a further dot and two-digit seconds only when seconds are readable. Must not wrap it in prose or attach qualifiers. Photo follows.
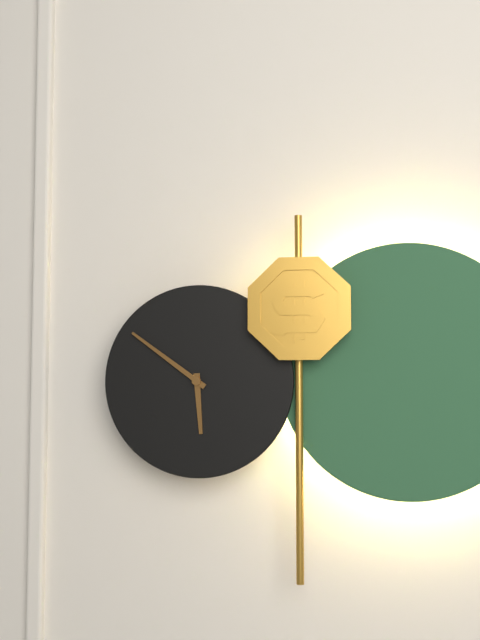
5.51
